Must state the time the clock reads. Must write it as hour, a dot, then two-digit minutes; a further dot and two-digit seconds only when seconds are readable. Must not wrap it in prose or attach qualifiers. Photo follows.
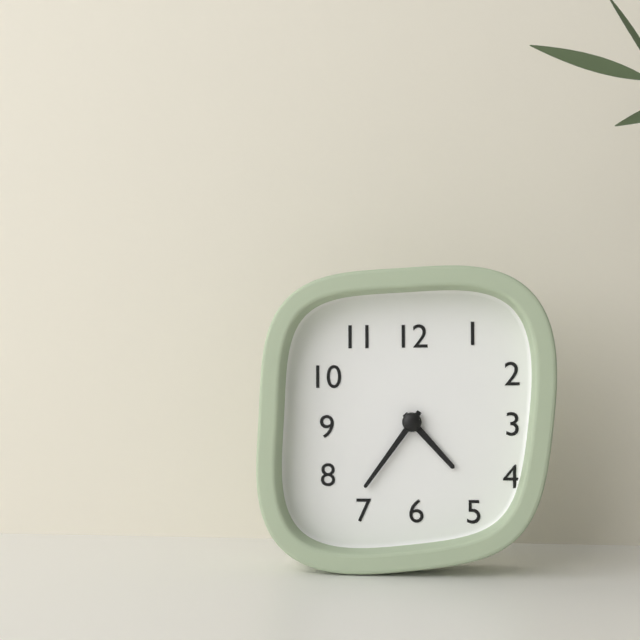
4.36
